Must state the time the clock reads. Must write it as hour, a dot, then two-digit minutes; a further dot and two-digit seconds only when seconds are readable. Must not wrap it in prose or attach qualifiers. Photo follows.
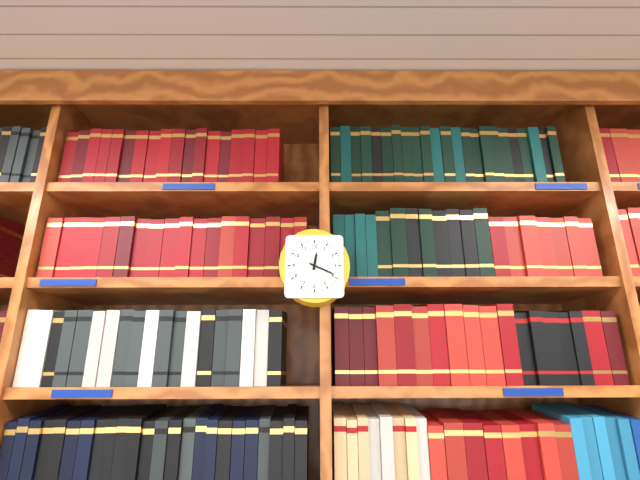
12.19
